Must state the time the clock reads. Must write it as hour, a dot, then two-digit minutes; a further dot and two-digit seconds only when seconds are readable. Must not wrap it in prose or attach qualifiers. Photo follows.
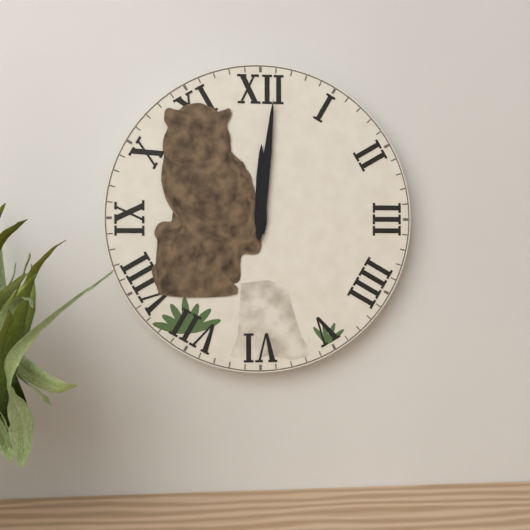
12.01
